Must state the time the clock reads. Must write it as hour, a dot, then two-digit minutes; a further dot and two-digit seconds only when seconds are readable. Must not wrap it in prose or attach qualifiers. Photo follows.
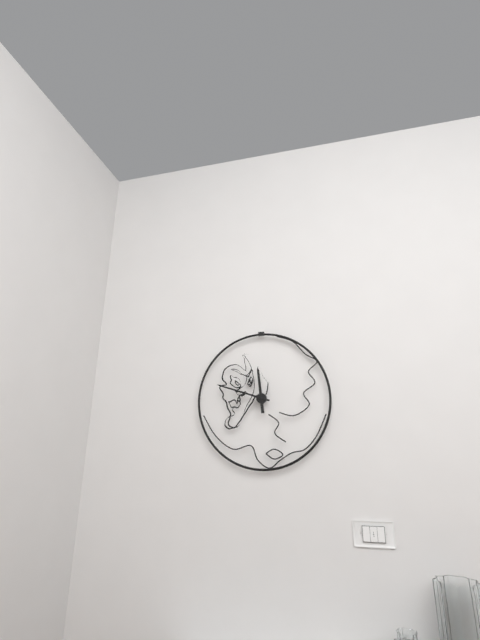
11.48
